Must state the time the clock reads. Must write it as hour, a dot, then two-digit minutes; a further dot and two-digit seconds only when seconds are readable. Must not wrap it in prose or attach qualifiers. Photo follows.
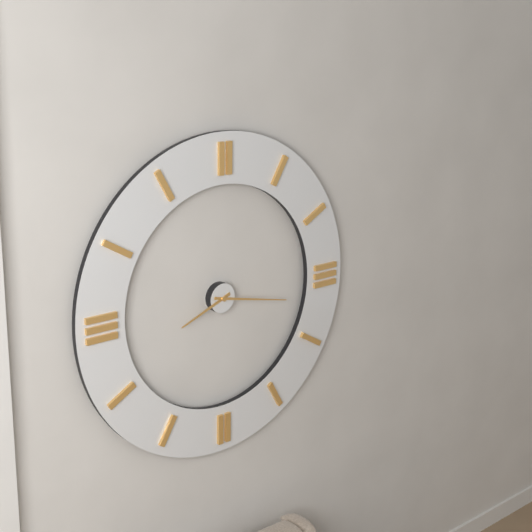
8.17
